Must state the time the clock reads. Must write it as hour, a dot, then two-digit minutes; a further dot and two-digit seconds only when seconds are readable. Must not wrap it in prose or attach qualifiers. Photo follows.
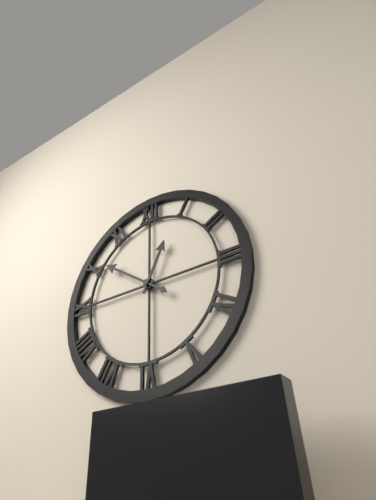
12.51
